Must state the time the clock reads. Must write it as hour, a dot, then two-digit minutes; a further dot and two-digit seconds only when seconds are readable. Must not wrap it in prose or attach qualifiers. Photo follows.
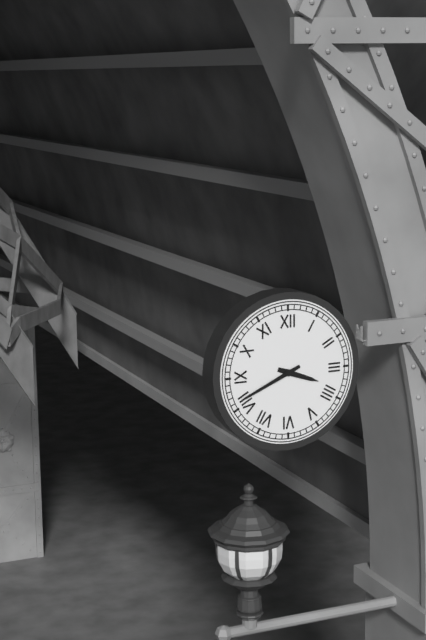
3.41
